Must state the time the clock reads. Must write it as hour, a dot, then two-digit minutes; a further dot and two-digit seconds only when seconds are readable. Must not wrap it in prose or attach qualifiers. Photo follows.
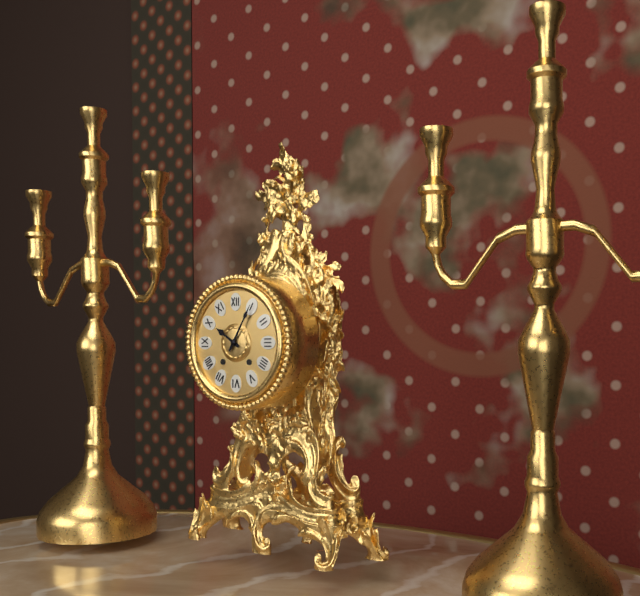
10.05
